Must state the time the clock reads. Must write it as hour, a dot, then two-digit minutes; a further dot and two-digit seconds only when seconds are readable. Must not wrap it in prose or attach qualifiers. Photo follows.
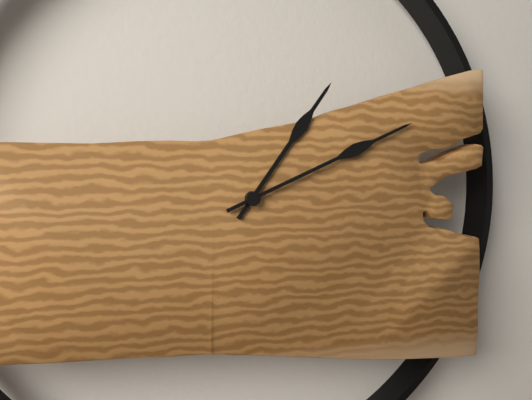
1.11
